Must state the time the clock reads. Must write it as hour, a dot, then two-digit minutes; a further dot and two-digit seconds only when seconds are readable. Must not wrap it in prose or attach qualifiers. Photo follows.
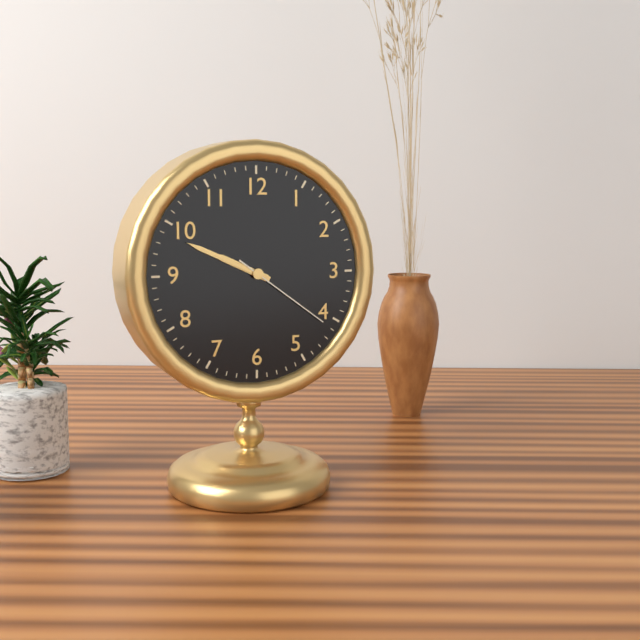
9.49.21
